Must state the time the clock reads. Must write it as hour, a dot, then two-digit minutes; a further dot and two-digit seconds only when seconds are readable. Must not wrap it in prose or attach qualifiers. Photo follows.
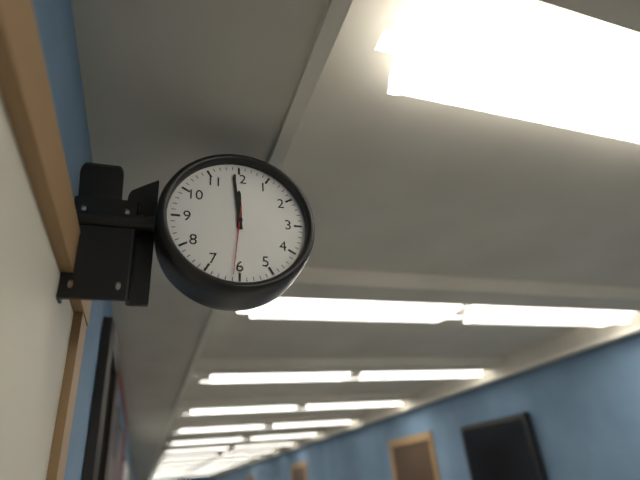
11.59.31
